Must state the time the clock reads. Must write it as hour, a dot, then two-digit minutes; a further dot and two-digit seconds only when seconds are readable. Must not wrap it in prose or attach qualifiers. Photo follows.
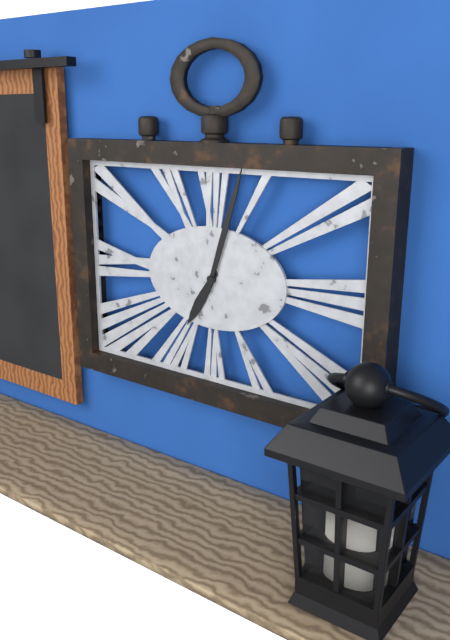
7.03
